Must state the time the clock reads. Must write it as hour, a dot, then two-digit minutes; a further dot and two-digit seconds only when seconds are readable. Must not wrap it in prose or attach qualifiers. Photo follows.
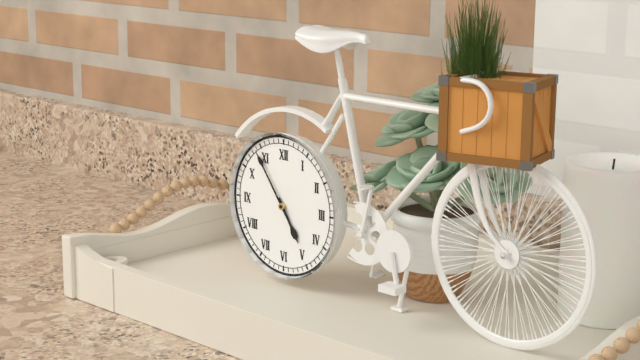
4.54
